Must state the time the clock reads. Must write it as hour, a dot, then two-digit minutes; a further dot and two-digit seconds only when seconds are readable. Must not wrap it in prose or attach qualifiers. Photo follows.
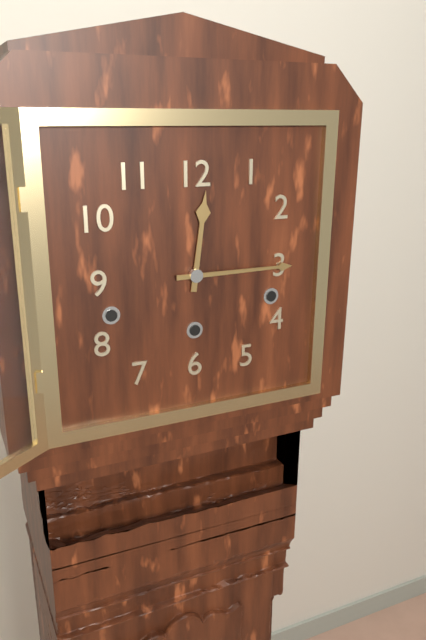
12.15
